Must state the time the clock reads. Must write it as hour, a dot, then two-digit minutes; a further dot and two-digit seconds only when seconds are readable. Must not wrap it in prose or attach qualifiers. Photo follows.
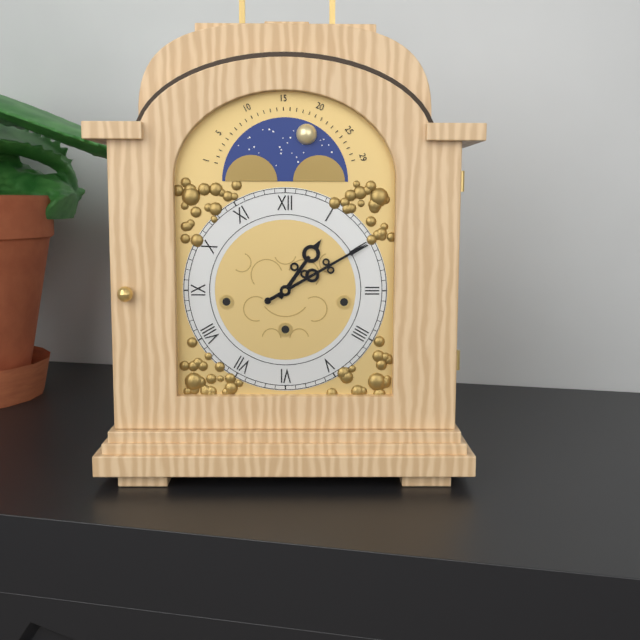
1.10
